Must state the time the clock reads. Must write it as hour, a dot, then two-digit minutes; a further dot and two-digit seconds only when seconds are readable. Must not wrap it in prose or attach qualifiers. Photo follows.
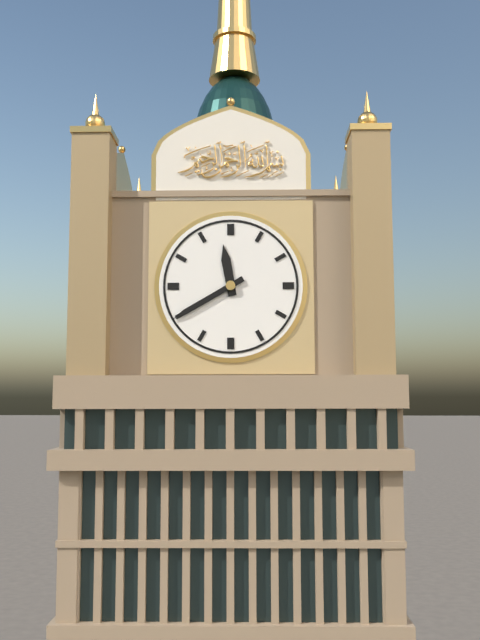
11.40
